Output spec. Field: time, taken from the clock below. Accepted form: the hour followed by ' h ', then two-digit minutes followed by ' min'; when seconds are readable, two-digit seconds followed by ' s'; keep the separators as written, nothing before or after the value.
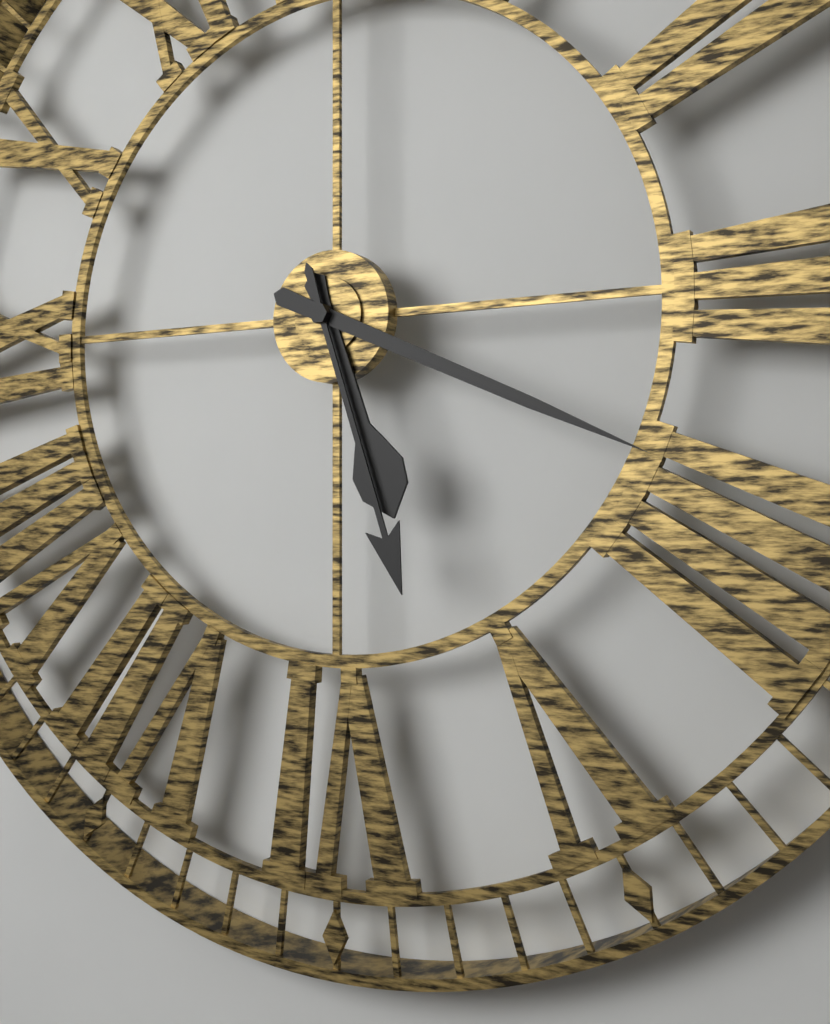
5 h 19 min 27 s
